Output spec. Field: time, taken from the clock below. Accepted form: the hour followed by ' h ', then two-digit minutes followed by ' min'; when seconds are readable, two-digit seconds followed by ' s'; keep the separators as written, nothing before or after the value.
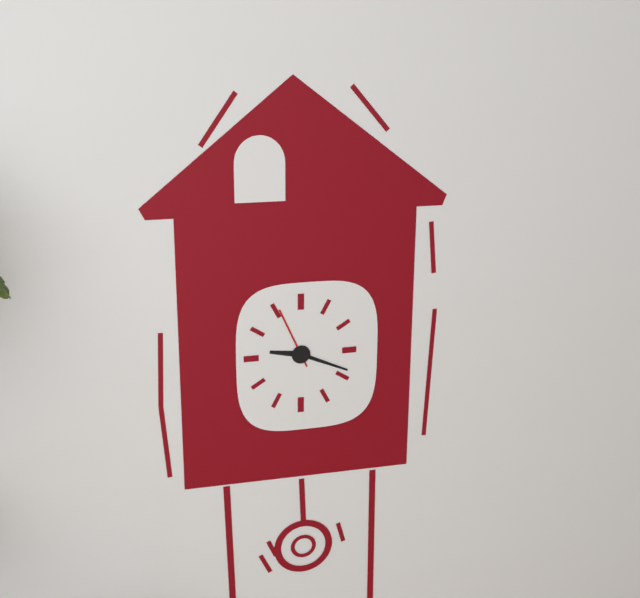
9 h 19 min 56 s
